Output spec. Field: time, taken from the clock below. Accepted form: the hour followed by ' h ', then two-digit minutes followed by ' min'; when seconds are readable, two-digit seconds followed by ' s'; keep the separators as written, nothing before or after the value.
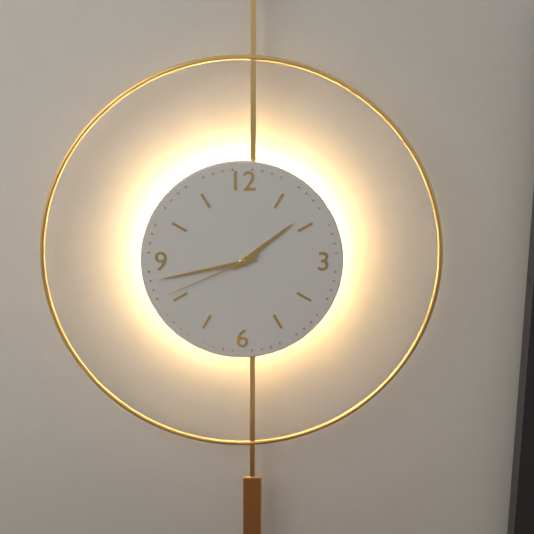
1 h 43 min 41 s
